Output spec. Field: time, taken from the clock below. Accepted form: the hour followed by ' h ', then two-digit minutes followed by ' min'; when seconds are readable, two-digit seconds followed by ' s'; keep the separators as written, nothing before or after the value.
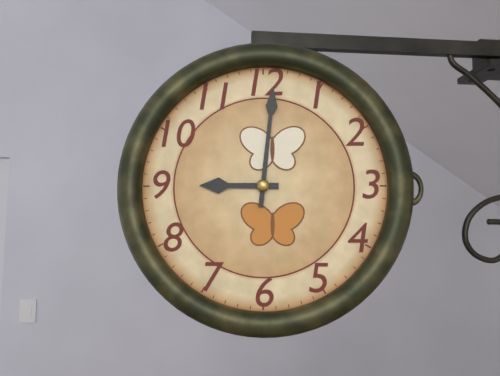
9 h 01 min
